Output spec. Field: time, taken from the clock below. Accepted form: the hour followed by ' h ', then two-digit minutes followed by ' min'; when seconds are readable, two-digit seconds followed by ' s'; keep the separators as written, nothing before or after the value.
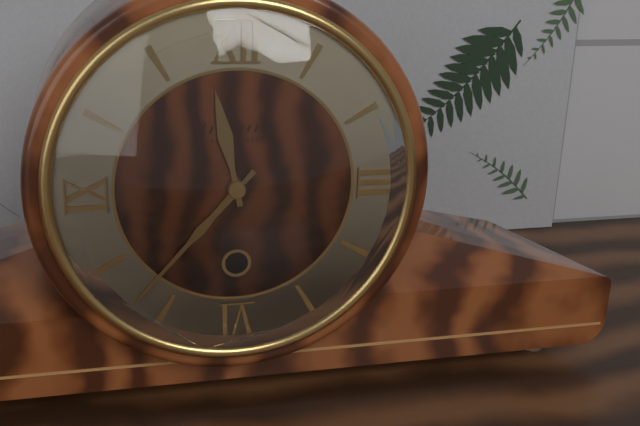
11 h 37 min
